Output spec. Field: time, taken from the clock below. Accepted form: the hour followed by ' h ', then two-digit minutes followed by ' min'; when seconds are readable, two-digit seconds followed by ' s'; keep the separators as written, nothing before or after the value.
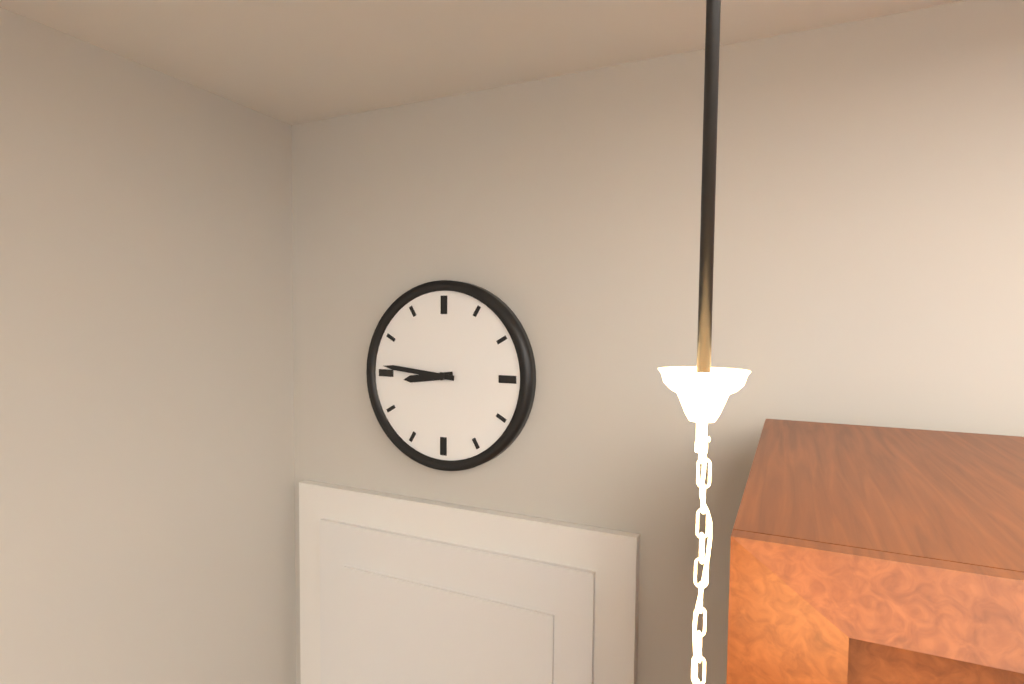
8 h 46 min
